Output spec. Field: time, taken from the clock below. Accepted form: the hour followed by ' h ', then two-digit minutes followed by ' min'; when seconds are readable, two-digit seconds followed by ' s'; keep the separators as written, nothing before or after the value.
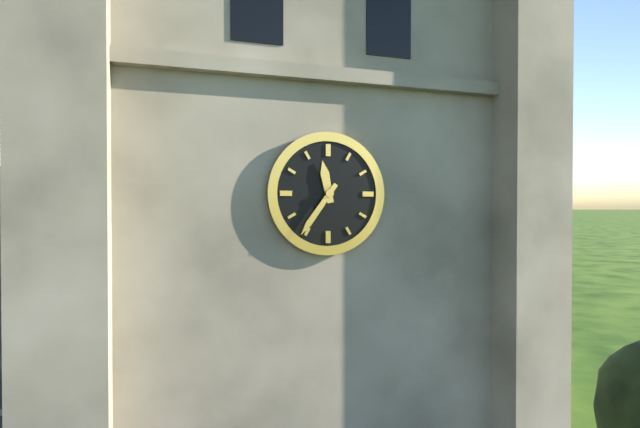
11 h 36 min
